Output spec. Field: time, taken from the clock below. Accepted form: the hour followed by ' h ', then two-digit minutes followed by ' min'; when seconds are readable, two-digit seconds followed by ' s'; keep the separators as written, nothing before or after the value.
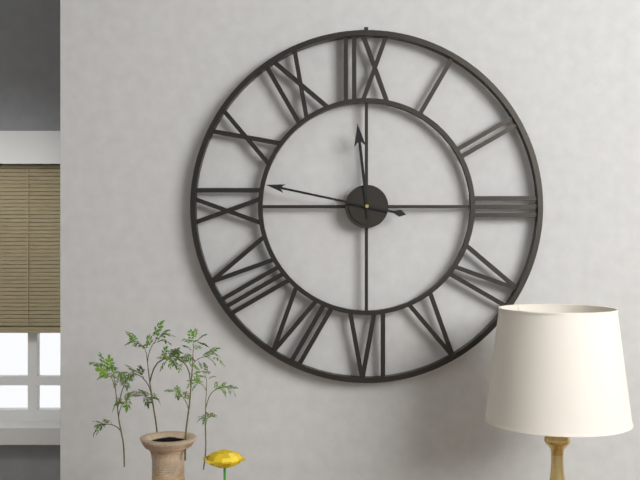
11 h 47 min
